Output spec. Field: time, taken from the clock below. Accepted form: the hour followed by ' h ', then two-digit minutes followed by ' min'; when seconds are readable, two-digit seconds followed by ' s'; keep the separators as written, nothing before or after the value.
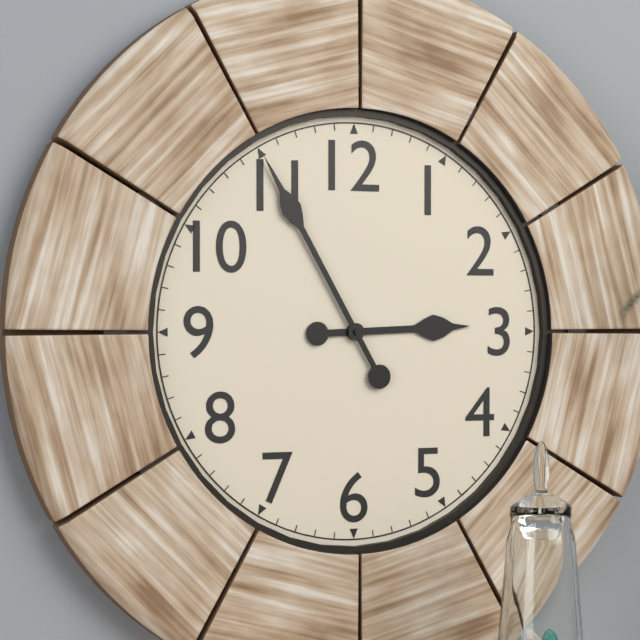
2 h 55 min
